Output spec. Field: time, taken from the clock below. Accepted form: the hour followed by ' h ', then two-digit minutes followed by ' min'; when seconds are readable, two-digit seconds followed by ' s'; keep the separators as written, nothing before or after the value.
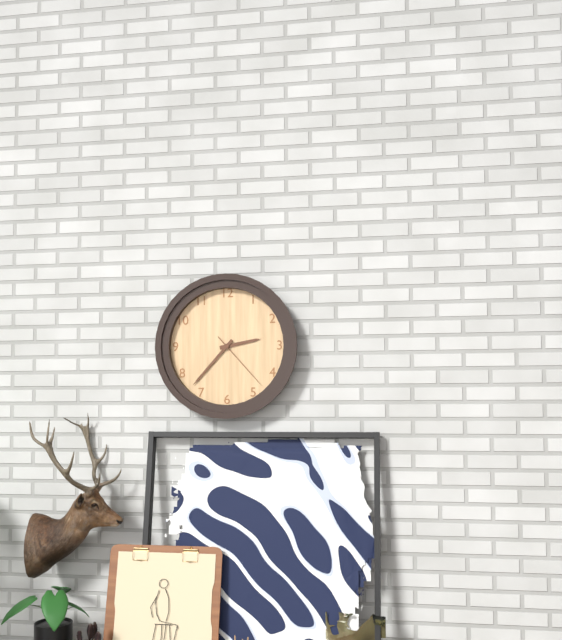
2 h 37 min 23 s
